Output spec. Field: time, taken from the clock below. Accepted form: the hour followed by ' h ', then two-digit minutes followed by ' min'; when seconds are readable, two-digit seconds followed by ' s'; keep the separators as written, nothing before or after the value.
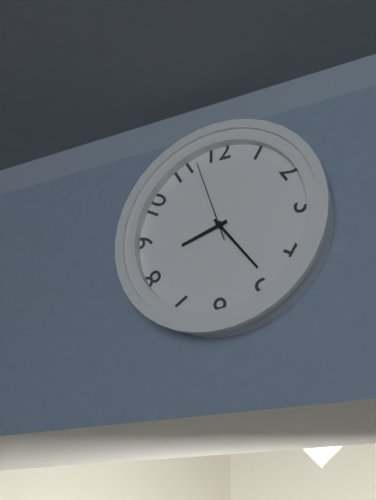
8 h 24 min 57 s
